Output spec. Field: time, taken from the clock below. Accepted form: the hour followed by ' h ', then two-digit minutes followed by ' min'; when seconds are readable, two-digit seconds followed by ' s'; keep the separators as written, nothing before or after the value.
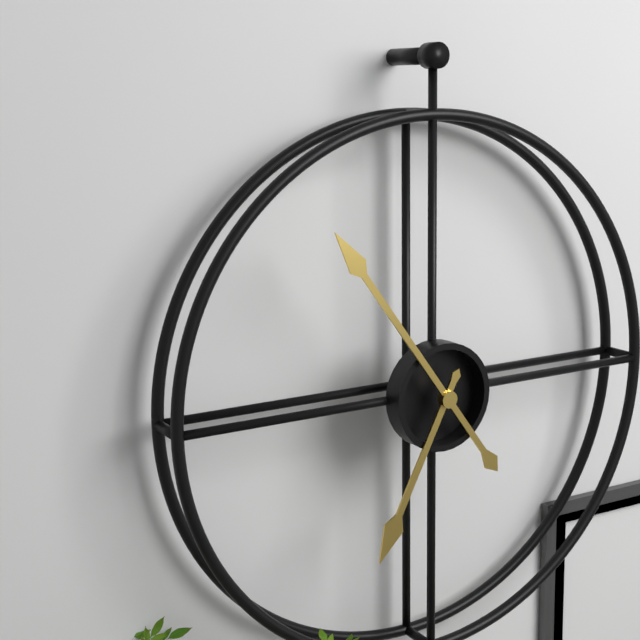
6 h 54 min
